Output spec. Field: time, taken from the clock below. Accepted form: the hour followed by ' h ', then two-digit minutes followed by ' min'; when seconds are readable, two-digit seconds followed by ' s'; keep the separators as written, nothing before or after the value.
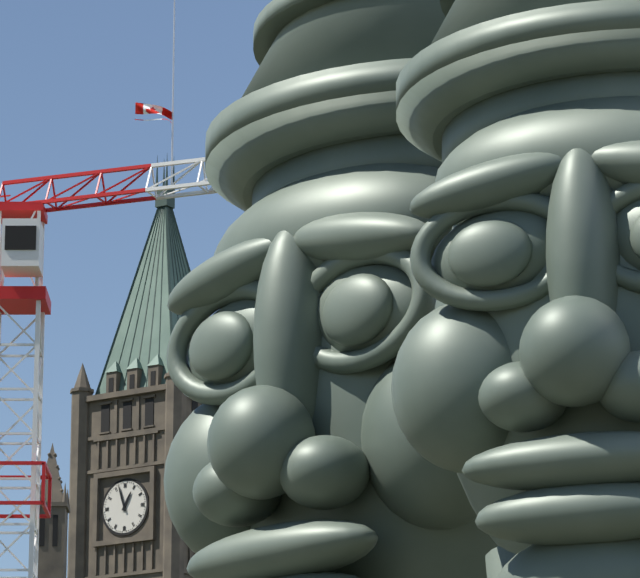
12 h 57 min
